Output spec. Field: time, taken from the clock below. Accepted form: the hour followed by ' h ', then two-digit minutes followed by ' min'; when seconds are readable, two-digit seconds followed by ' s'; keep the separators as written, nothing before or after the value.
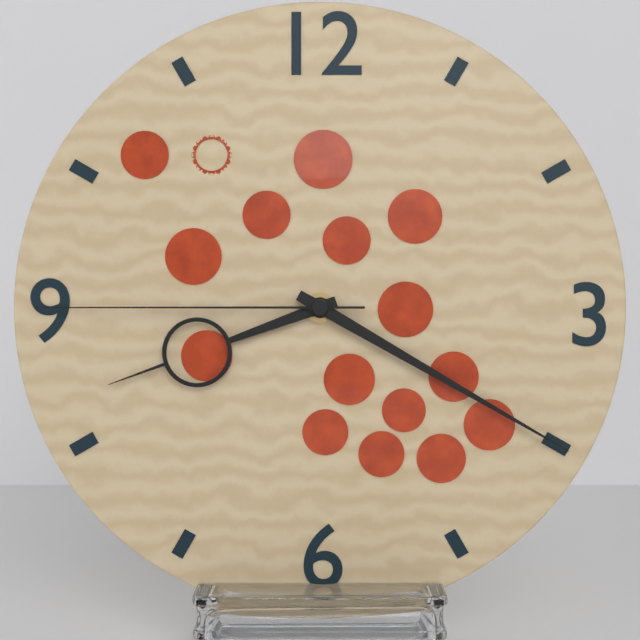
8 h 20 min 45 s
